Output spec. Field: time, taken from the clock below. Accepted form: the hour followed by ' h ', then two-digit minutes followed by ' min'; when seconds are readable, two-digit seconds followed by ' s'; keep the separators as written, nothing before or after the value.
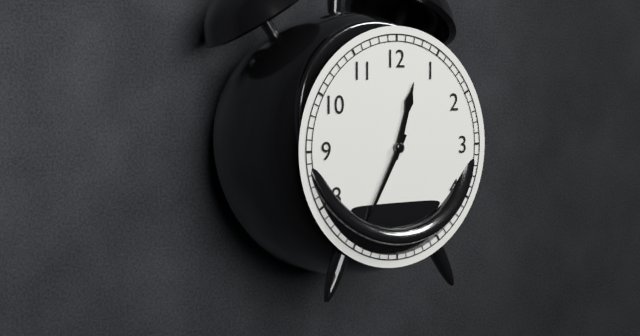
12 h 35 min
